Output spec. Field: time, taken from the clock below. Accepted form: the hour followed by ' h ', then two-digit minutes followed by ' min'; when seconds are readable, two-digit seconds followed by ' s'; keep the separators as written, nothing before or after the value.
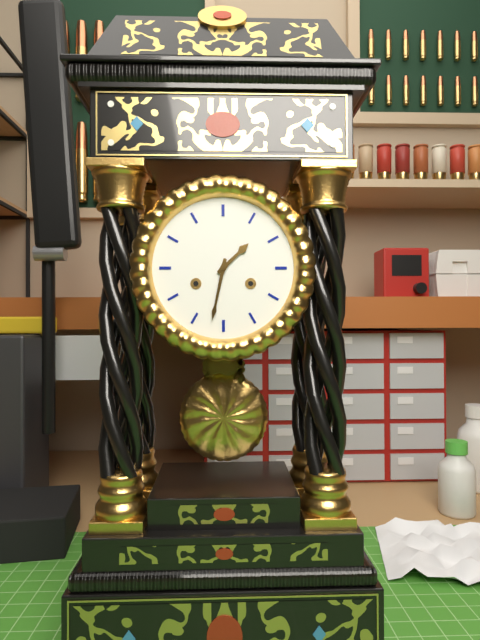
1 h 32 min
